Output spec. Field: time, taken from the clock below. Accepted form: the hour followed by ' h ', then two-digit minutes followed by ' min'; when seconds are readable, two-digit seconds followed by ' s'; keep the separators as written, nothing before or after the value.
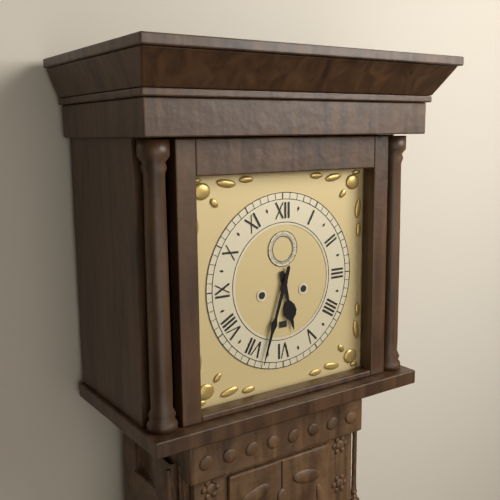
5 h 33 min
